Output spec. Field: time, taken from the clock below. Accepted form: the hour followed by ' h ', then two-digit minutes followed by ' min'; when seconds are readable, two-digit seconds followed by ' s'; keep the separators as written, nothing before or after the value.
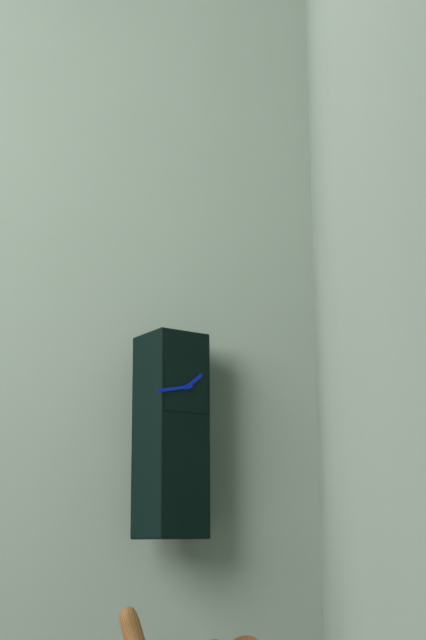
1 h 43 min
